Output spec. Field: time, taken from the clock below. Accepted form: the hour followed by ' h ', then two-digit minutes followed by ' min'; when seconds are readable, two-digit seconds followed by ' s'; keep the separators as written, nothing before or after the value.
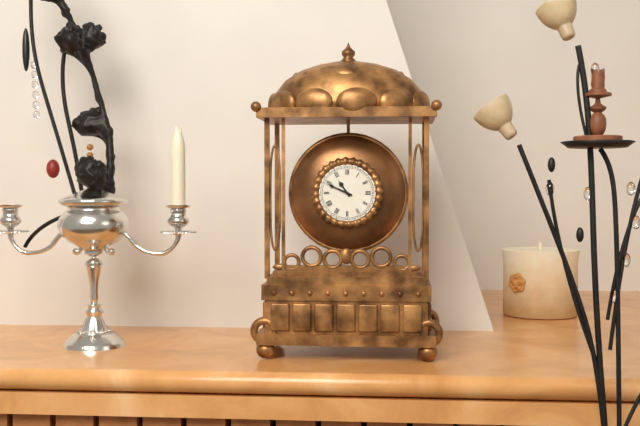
10 h 49 min
